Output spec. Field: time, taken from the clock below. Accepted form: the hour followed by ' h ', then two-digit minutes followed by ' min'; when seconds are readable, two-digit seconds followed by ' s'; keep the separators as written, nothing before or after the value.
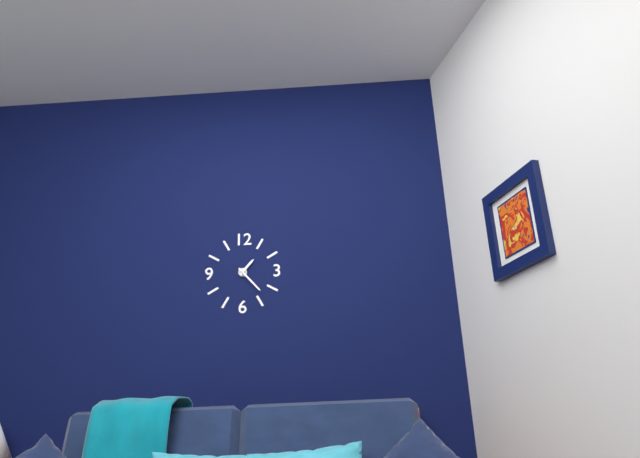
1 h 23 min
